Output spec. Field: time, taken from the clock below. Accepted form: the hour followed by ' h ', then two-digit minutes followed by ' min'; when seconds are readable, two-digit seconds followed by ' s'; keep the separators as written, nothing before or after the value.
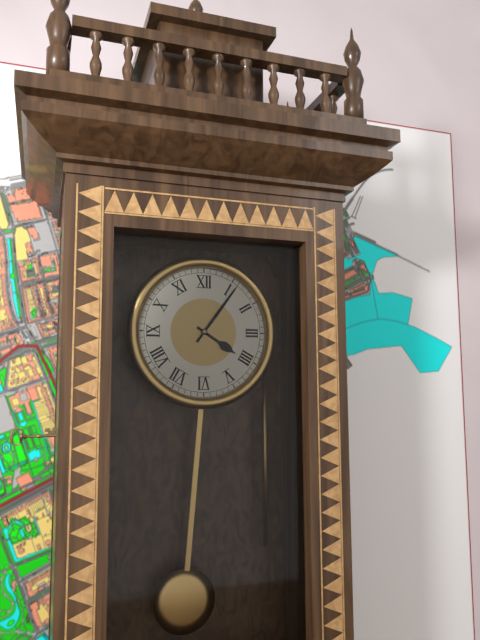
4 h 06 min
